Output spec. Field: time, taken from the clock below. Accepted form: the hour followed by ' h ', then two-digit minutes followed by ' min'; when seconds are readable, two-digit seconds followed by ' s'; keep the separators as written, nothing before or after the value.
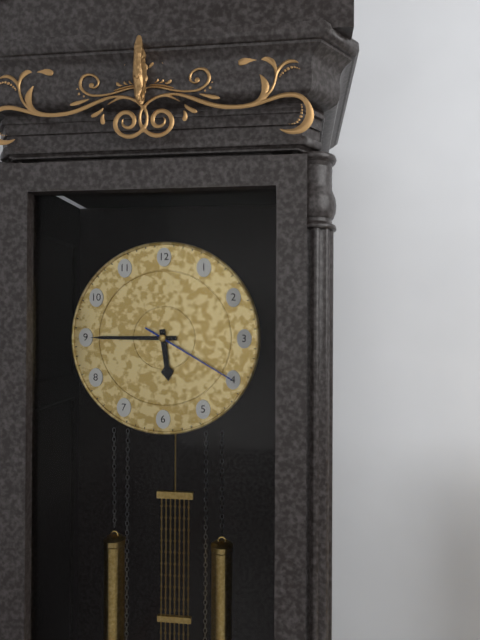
5 h 45 min 20 s
